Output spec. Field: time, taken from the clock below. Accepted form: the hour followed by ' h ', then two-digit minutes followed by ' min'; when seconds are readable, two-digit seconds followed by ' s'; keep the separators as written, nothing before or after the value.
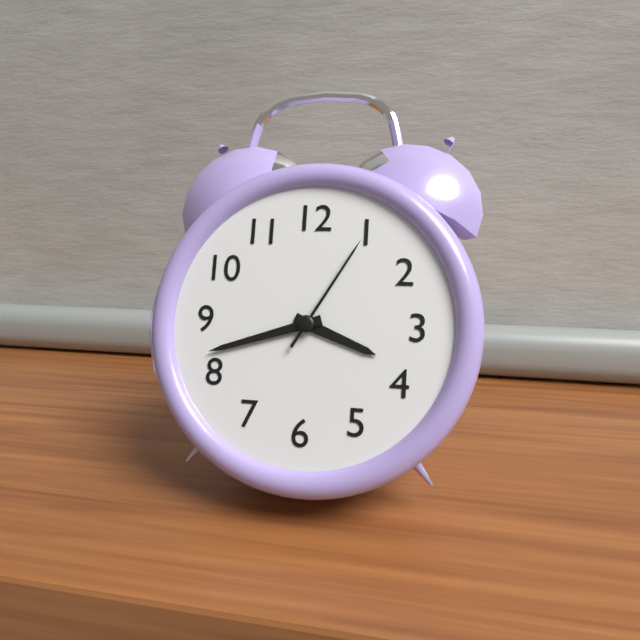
3 h 42 min 05 s
